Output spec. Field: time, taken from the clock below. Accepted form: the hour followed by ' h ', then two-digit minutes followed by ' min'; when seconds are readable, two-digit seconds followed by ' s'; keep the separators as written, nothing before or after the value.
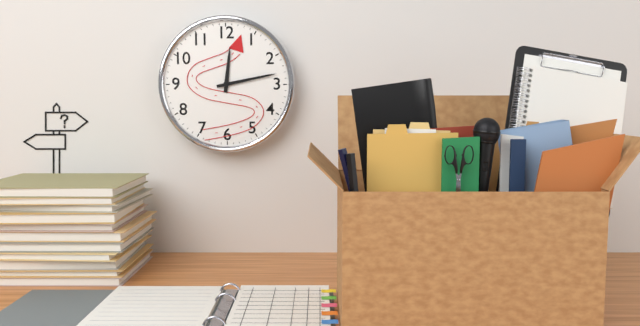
12 h 13 min
